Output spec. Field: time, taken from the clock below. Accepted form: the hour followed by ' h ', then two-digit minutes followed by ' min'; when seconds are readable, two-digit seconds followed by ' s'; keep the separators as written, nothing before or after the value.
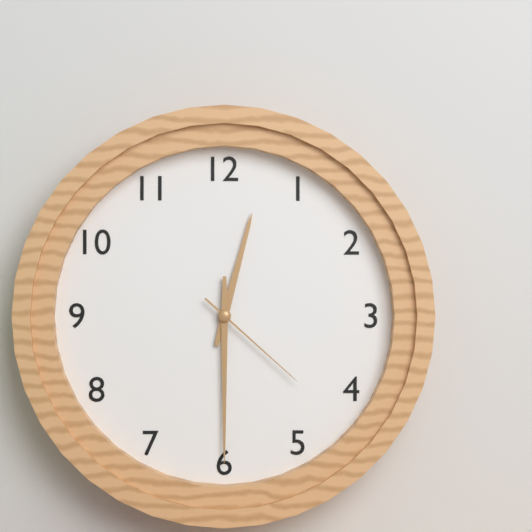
12 h 30 min 22 s
